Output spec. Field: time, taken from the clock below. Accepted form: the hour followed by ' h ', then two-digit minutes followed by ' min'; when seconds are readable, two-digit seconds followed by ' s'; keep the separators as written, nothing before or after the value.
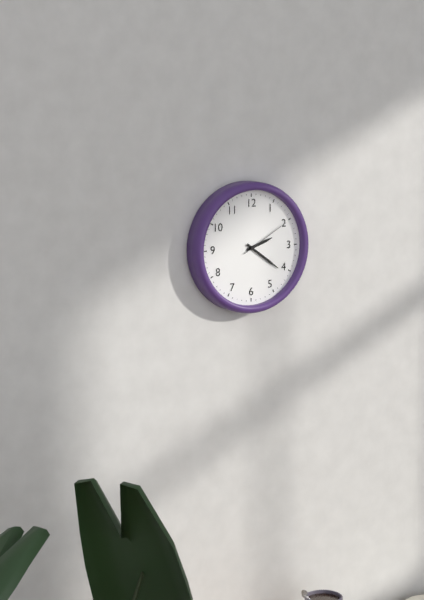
2 h 21 min 10 s
